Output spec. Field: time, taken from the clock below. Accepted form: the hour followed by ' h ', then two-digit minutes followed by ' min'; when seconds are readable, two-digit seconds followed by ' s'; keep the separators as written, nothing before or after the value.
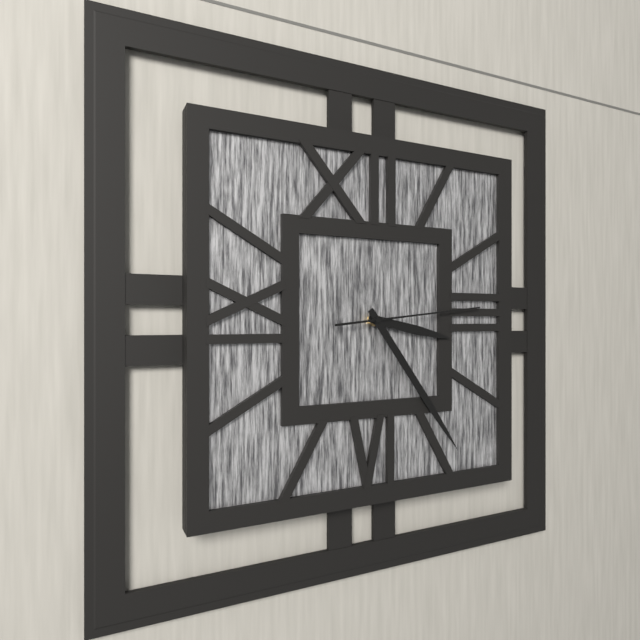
3 h 24 min 14 s
